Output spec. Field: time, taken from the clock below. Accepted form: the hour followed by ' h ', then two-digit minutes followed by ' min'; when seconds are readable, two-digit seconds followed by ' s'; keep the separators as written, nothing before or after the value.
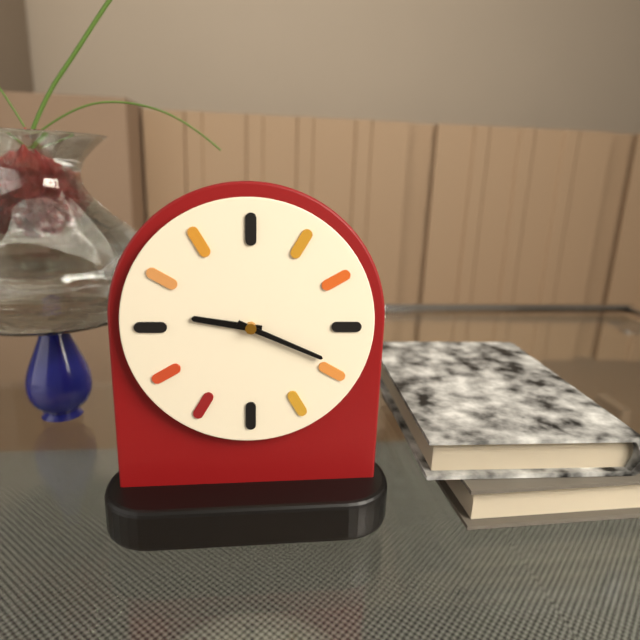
9 h 19 min
